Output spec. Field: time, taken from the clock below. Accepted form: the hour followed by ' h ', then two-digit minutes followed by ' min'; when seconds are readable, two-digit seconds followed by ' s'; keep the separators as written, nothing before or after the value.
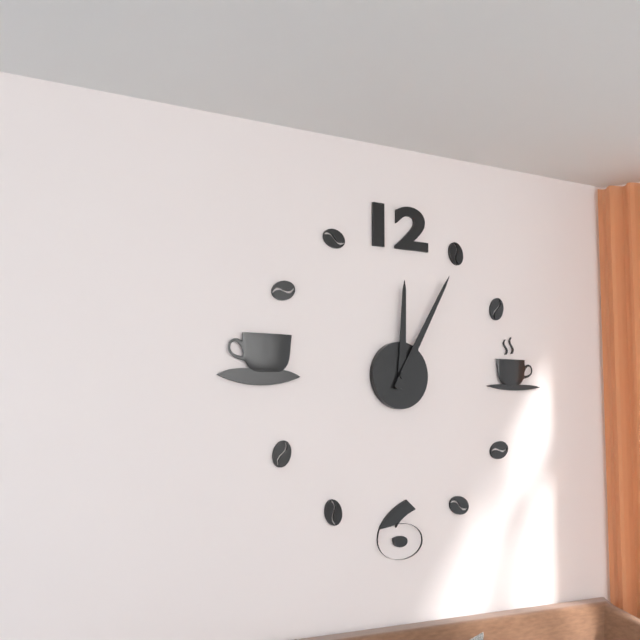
12 h 05 min
